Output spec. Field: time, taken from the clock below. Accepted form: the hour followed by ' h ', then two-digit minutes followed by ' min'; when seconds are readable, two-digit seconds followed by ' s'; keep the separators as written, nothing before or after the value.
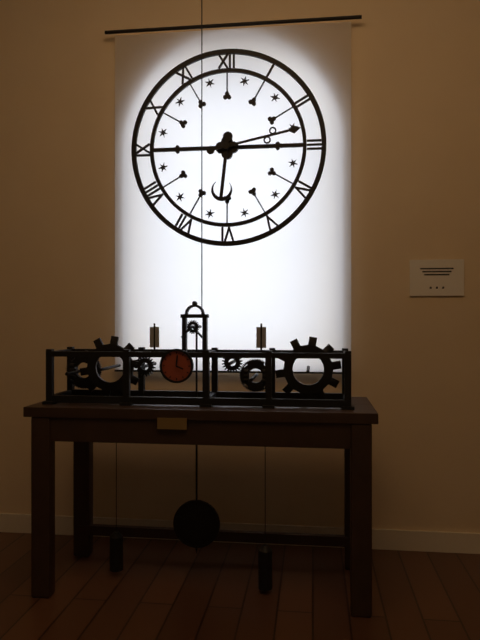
6 h 13 min
